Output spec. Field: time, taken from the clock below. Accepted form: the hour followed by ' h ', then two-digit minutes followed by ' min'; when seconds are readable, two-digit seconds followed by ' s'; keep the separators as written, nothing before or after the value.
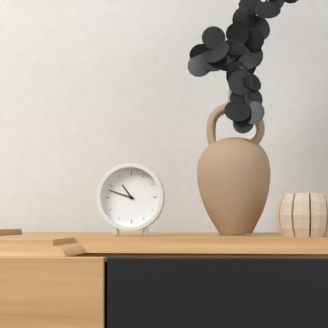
10 h 48 min
